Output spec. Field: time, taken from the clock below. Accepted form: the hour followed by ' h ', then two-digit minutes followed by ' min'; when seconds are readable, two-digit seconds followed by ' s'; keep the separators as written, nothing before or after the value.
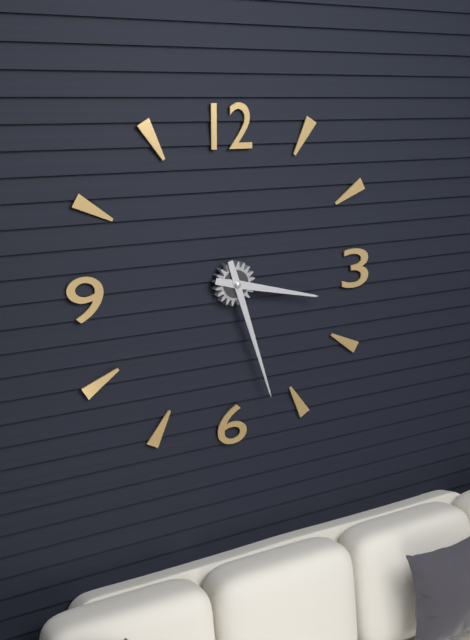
3 h 27 min
